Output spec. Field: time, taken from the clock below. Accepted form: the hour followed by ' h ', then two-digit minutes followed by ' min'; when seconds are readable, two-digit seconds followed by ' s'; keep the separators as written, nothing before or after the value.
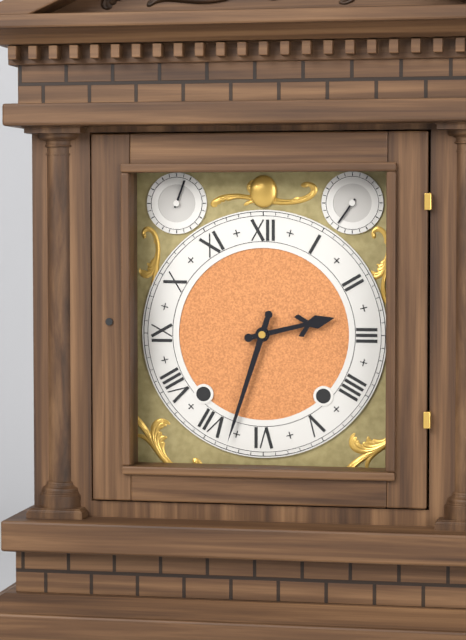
2 h 33 min
